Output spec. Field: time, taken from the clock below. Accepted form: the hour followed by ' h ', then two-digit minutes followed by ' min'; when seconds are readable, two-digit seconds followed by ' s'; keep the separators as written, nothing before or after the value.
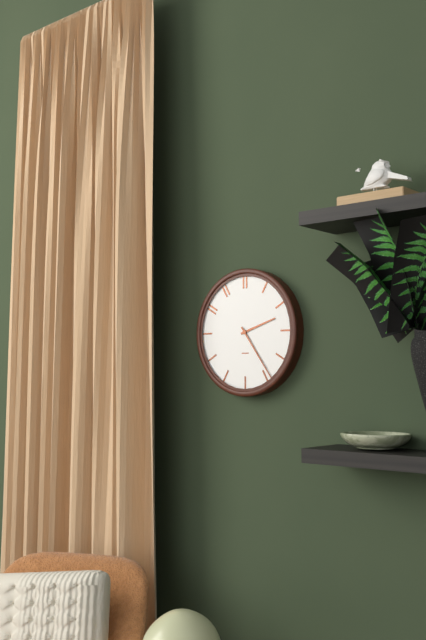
2 h 24 min
